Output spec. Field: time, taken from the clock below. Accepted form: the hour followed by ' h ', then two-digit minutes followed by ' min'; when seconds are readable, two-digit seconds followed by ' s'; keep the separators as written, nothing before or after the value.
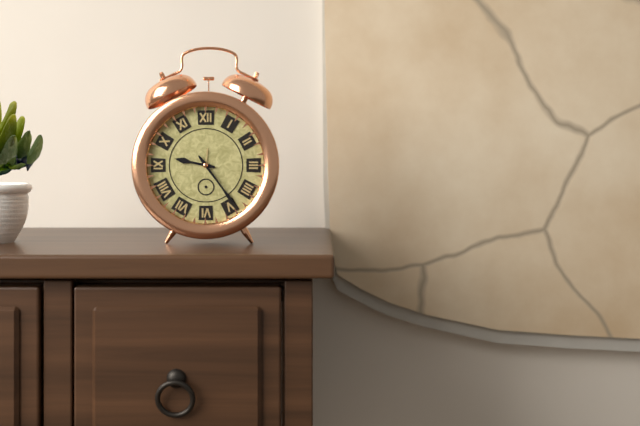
9 h 24 min
